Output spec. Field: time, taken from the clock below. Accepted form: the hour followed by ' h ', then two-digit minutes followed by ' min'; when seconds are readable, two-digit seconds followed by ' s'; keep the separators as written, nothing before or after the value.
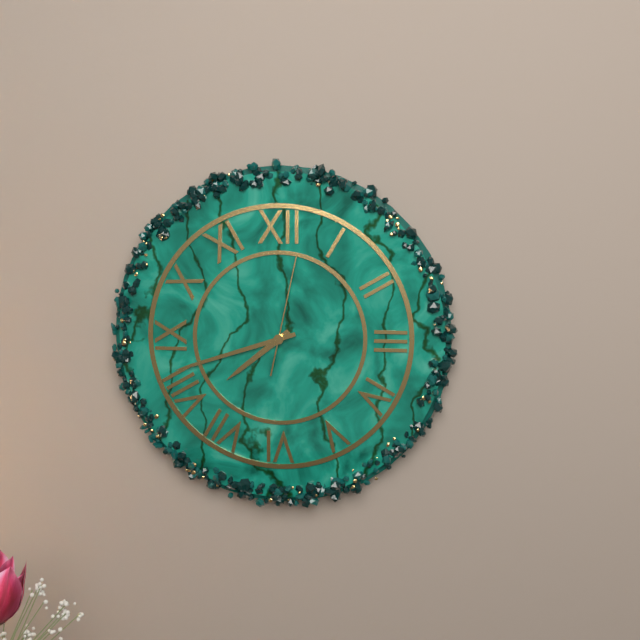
7 h 42 min 02 s
